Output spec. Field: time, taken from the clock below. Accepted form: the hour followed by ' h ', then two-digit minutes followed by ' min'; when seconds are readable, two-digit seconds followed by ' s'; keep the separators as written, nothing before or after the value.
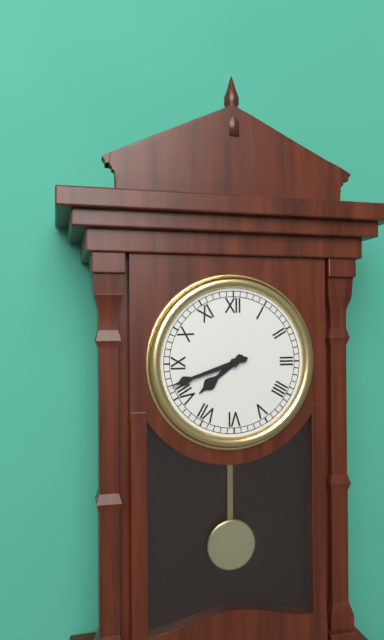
7 h 42 min
